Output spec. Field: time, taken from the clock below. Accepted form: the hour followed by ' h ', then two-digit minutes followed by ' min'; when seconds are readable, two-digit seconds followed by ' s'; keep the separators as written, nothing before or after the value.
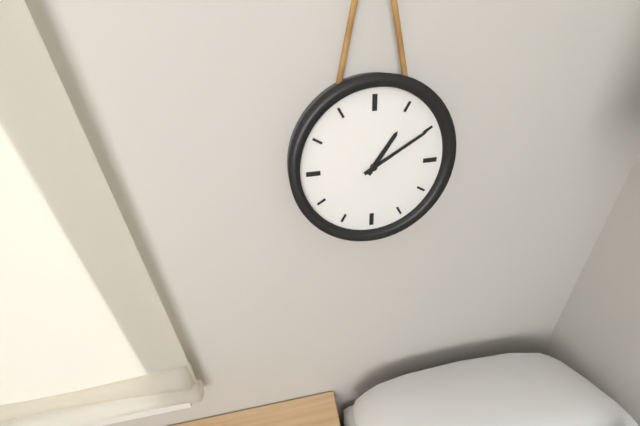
1 h 10 min
